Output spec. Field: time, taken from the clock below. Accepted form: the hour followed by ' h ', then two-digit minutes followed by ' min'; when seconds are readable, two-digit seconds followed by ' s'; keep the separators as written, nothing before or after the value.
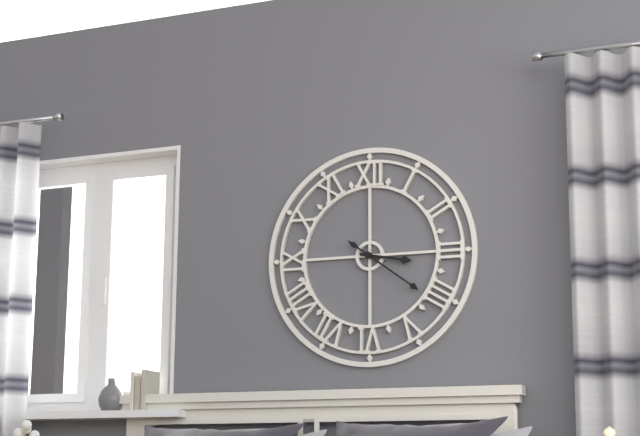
3 h 21 min
